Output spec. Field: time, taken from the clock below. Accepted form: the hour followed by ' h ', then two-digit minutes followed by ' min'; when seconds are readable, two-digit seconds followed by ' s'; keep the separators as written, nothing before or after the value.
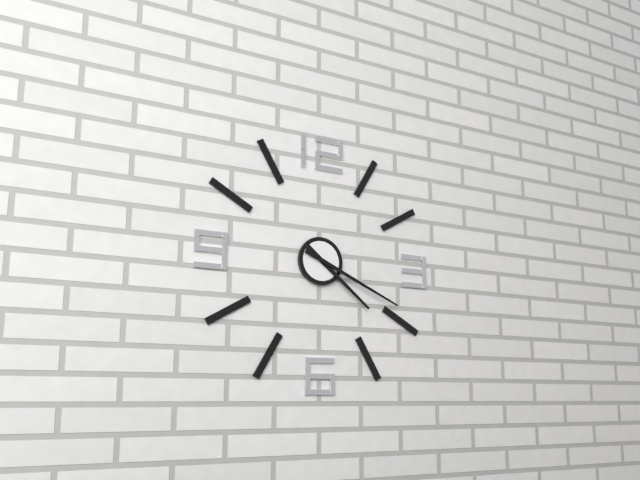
4 h 19 min
